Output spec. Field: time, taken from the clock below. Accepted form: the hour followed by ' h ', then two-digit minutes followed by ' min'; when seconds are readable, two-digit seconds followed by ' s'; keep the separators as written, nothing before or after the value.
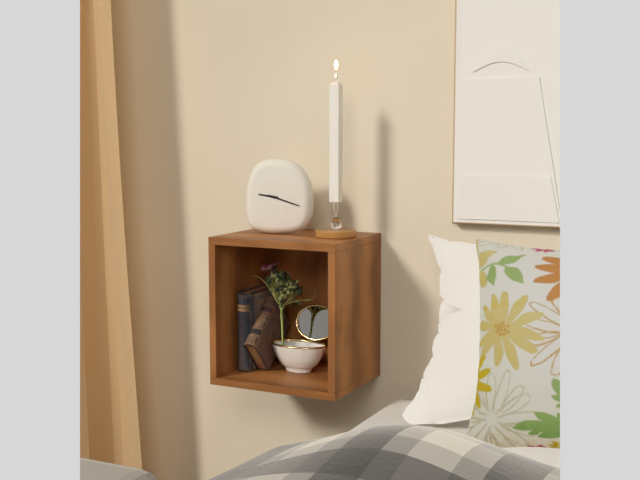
9 h 18 min
